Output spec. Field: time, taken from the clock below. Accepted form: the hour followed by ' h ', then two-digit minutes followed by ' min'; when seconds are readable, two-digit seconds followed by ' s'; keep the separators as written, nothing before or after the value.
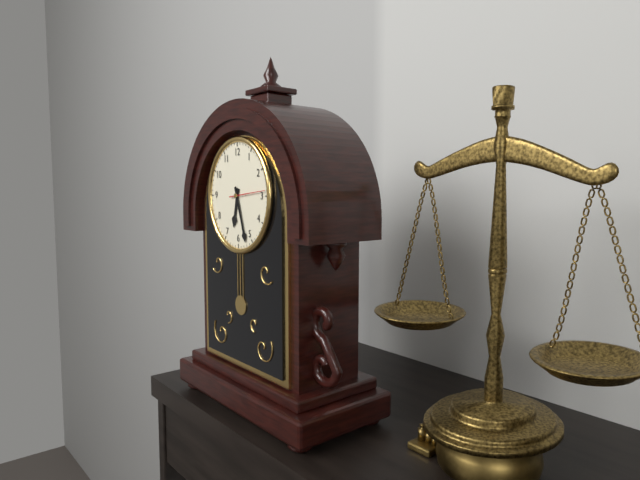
6 h 27 min
